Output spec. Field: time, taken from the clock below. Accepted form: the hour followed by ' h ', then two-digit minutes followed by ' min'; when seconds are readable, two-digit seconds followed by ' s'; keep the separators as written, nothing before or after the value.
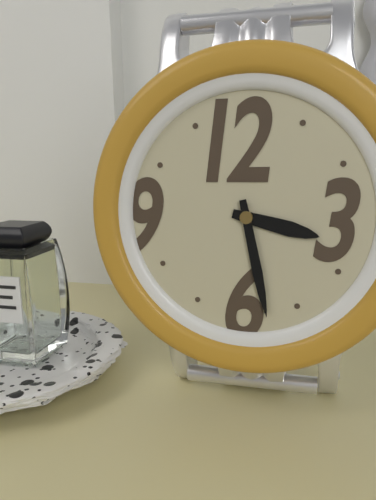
3 h 28 min
